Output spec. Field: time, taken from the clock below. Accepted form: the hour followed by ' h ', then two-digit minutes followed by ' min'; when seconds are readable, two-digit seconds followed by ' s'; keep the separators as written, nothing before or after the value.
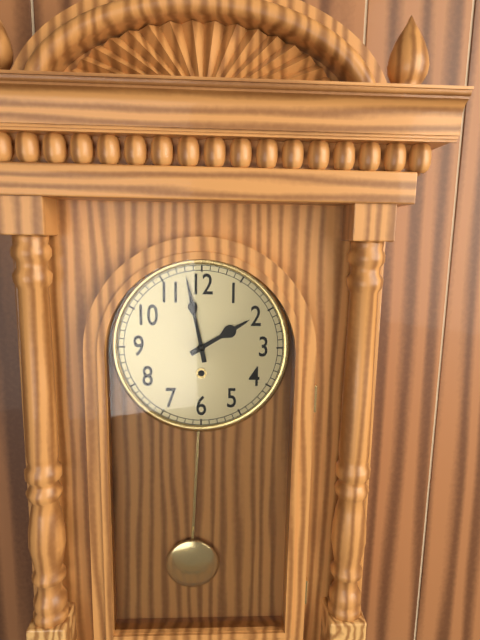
1 h 58 min
